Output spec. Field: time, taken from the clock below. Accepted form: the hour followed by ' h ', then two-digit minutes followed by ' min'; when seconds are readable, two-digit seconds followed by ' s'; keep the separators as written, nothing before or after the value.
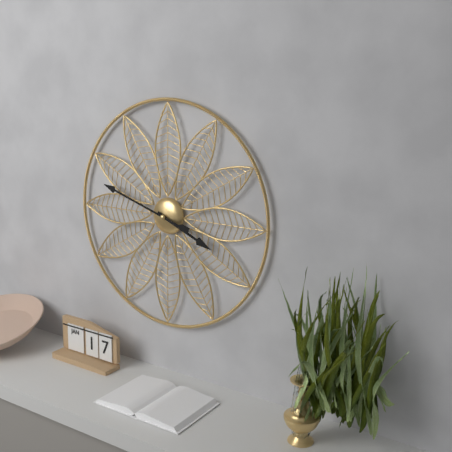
3 h 48 min
